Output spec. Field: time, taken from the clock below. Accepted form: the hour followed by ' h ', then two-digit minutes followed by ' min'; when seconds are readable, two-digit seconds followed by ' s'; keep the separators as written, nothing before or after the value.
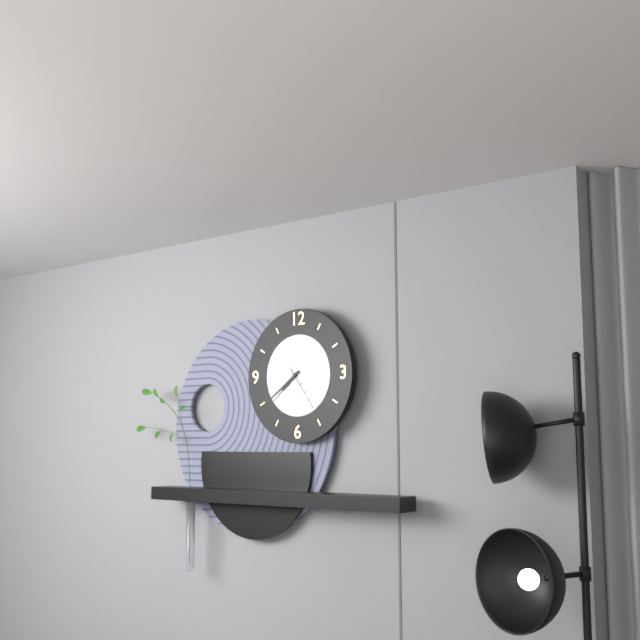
7 h 39 min
